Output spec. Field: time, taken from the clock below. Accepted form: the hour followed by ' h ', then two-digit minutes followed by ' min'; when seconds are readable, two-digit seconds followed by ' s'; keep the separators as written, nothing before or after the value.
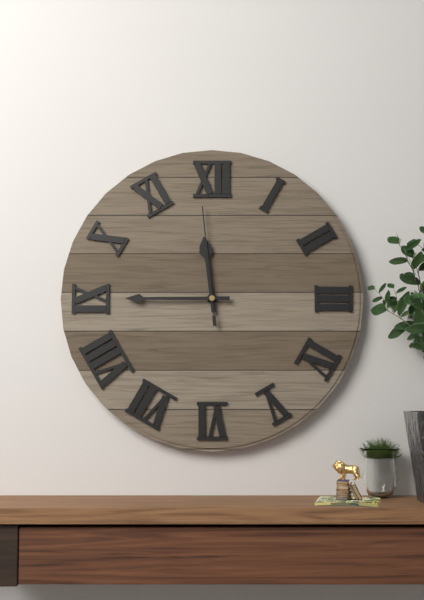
11 h 45 min 59 s
